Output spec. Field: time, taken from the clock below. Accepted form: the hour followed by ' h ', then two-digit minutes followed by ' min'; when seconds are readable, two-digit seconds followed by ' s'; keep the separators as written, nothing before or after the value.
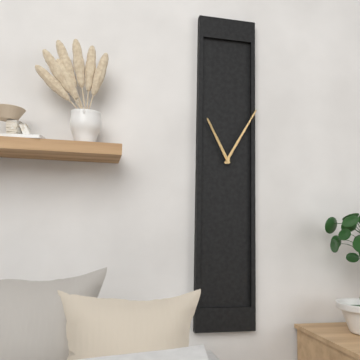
11 h 05 min
